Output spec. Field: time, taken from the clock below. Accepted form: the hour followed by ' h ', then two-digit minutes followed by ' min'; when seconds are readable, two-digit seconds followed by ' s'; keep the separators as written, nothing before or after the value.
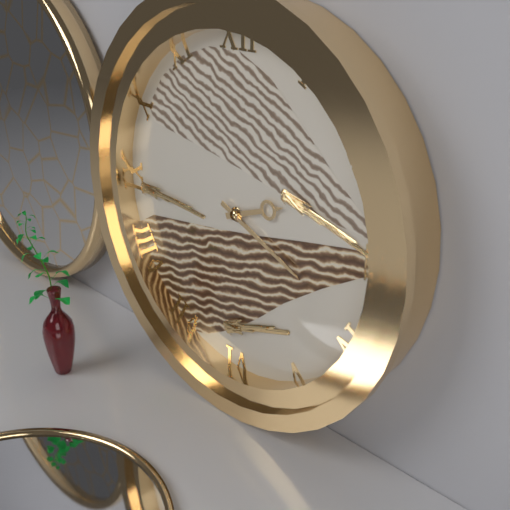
2 h 19 min
